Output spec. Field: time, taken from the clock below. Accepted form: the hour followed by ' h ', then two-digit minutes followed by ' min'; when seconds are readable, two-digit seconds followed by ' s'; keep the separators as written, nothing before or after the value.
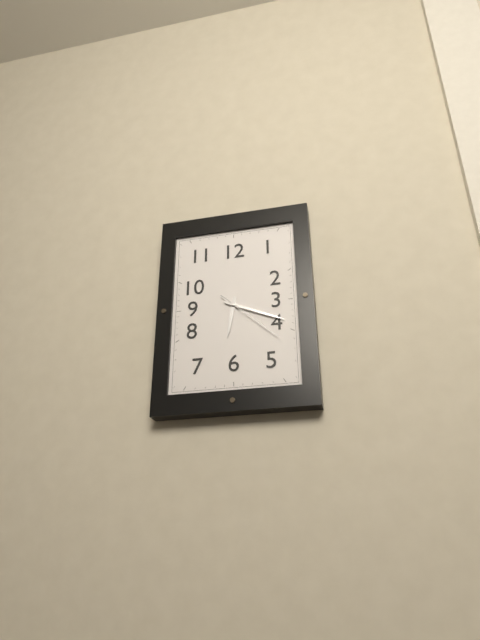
6 h 19 min 22 s
